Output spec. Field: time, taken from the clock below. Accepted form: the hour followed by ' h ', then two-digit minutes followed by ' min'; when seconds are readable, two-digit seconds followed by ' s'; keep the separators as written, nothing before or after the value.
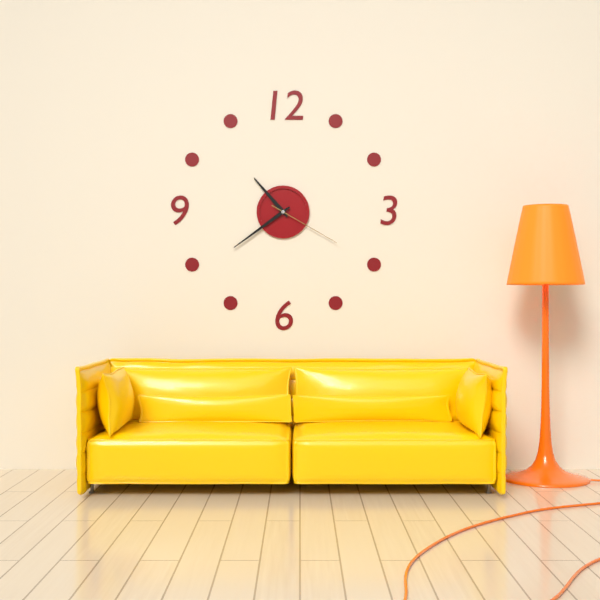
10 h 39 min 20 s
